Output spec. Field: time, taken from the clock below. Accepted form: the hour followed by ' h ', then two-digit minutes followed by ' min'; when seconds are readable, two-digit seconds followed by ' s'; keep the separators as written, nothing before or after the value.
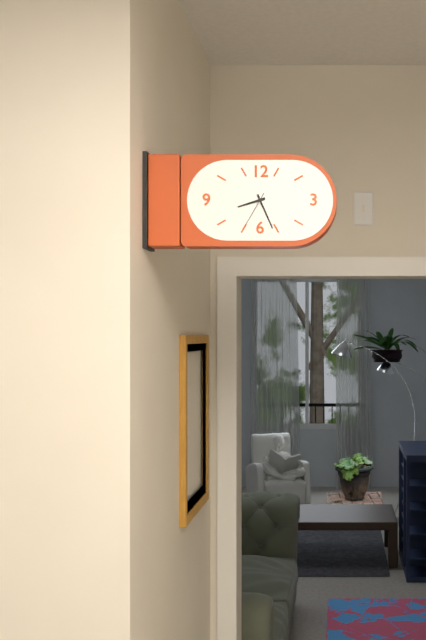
8 h 26 min
